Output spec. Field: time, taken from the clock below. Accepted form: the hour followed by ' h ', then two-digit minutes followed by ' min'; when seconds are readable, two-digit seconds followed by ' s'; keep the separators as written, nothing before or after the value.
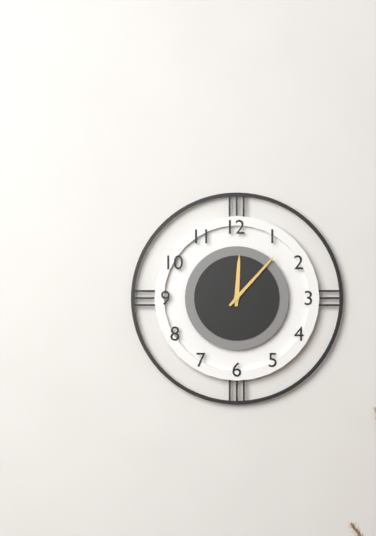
12 h 07 min
